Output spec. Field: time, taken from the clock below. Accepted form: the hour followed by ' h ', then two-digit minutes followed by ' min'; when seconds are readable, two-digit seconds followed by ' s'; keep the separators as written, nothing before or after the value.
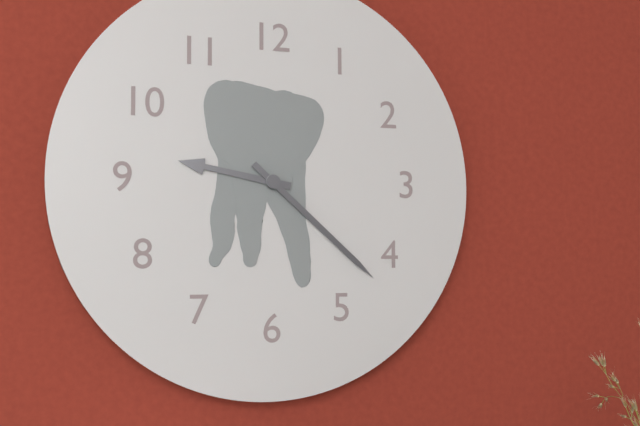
9 h 22 min
